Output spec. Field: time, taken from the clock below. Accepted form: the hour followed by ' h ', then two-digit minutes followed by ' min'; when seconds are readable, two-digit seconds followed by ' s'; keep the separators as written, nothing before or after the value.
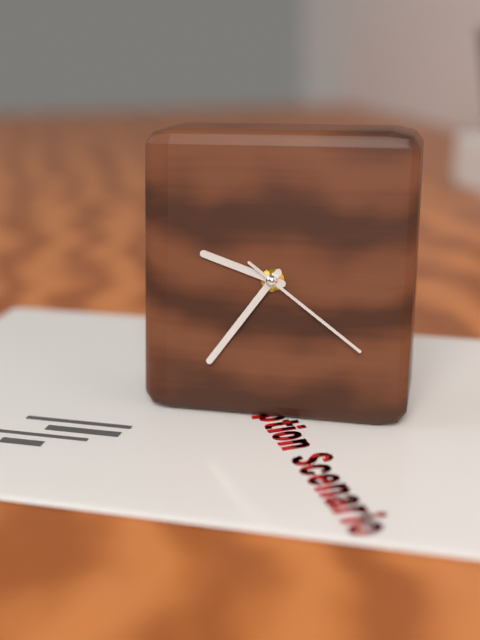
9 h 36 min 21 s
